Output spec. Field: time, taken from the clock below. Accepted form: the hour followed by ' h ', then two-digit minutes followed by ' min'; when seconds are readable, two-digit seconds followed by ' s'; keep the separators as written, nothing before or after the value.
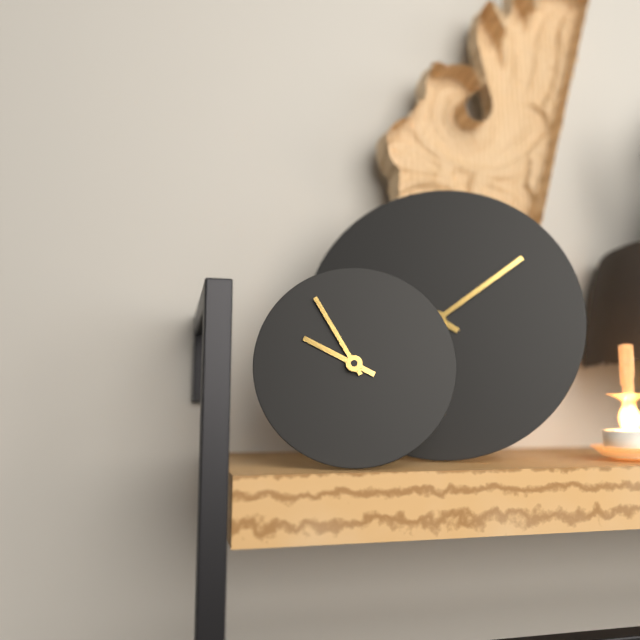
9 h 55 min
